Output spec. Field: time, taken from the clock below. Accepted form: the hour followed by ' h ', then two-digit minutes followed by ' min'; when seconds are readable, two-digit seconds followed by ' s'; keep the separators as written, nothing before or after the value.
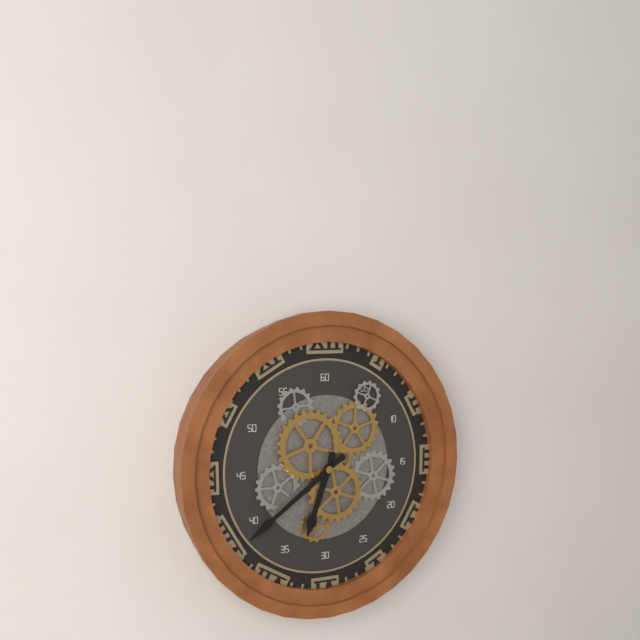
6 h 39 min
